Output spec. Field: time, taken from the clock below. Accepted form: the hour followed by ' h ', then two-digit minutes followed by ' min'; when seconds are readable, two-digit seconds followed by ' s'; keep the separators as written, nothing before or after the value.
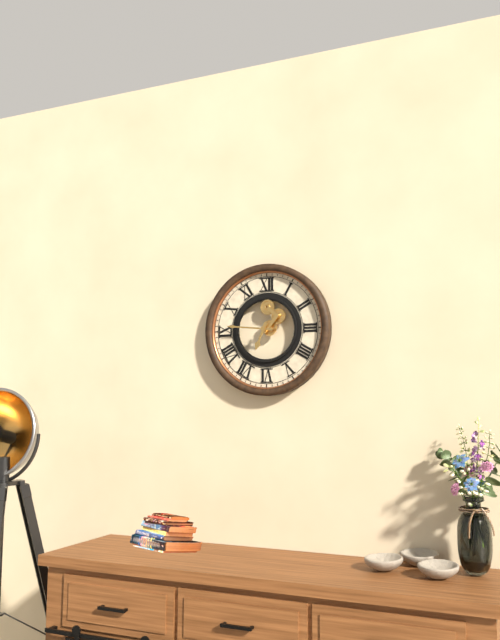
6 h 46 min
